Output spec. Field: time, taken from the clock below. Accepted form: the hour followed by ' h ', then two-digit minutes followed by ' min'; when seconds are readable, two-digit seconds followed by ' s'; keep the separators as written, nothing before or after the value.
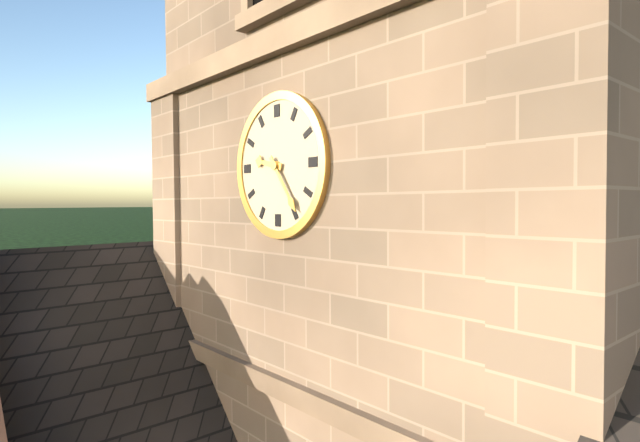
9 h 24 min
